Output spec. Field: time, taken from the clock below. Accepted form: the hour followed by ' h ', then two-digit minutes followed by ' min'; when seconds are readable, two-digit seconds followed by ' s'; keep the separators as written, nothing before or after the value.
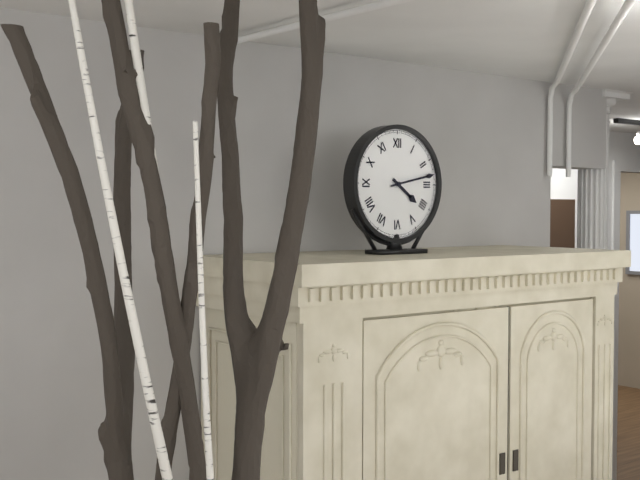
4 h 13 min
